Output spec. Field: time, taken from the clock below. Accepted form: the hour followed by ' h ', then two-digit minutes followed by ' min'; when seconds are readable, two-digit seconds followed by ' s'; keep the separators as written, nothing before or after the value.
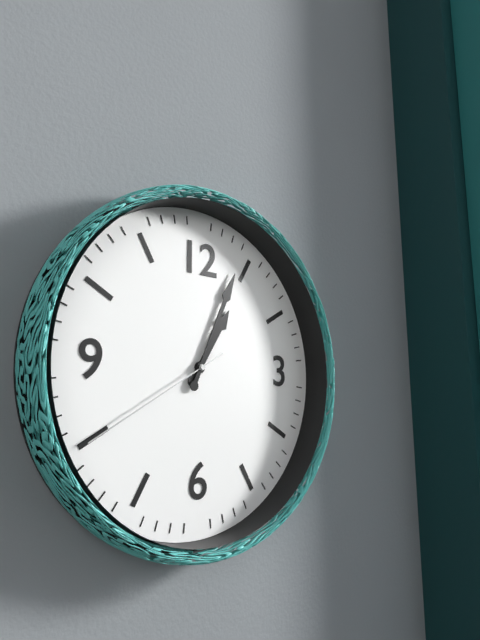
1 h 04 min 40 s
